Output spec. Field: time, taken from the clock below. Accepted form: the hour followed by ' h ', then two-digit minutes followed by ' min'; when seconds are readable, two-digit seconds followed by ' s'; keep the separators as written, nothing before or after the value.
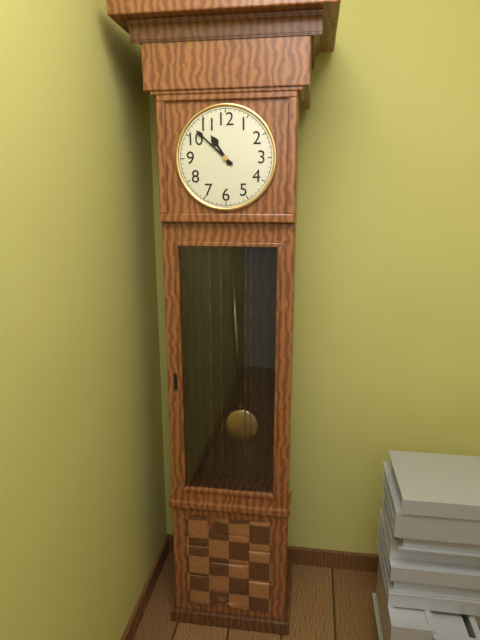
10 h 52 min
